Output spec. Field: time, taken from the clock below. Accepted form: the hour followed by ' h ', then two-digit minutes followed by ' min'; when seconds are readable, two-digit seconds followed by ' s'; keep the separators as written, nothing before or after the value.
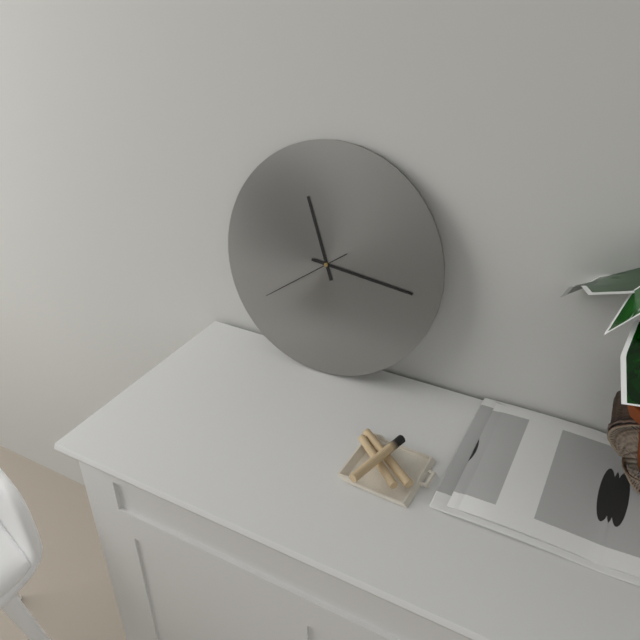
11 h 16 min 39 s
